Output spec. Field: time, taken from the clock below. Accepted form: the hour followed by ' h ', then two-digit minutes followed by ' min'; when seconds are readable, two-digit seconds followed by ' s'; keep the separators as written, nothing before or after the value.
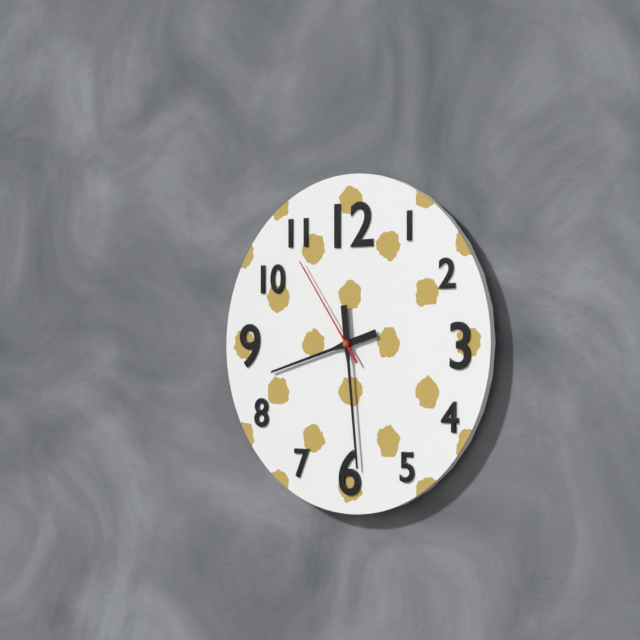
8 h 29 min 54 s
